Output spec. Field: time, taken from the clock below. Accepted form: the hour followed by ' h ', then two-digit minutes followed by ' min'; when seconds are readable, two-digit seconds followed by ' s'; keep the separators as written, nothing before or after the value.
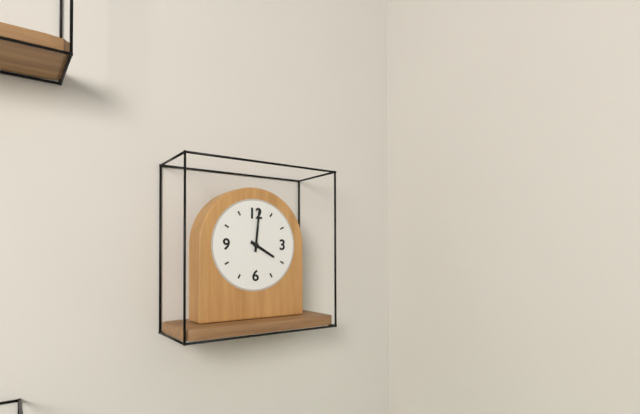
4 h 01 min
